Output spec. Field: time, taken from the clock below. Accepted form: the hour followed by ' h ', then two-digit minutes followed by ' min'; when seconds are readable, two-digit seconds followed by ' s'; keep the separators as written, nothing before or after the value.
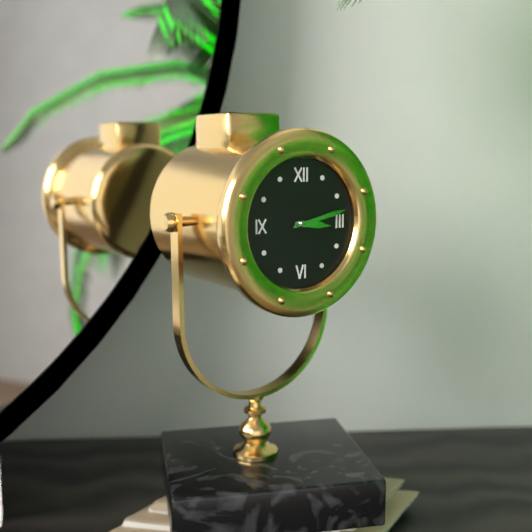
3 h 13 min
